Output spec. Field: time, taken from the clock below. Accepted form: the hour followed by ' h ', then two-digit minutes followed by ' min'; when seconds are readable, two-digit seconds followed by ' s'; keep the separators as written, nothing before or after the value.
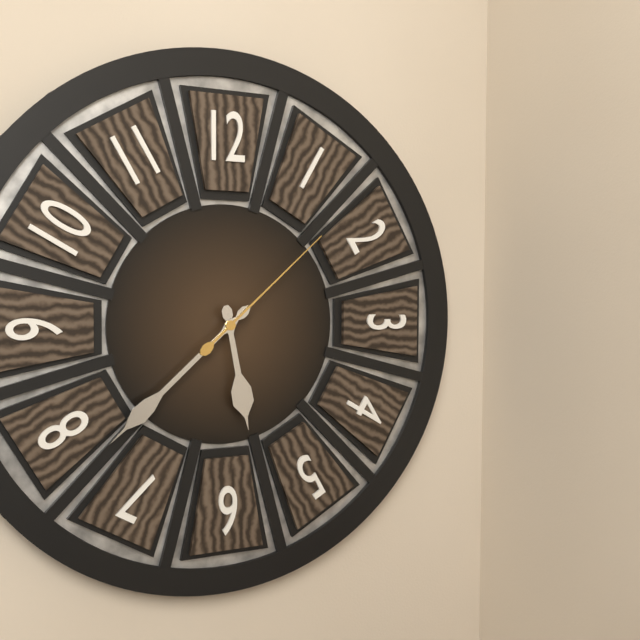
5 h 38 min 08 s
